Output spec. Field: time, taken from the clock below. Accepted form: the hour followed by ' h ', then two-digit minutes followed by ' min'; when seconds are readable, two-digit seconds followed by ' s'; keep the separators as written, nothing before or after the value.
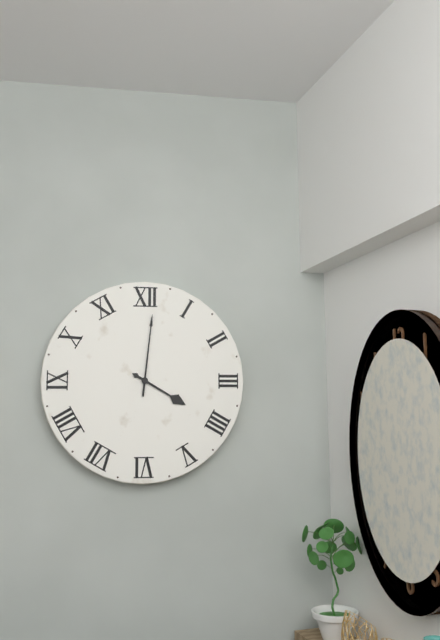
4 h 01 min
